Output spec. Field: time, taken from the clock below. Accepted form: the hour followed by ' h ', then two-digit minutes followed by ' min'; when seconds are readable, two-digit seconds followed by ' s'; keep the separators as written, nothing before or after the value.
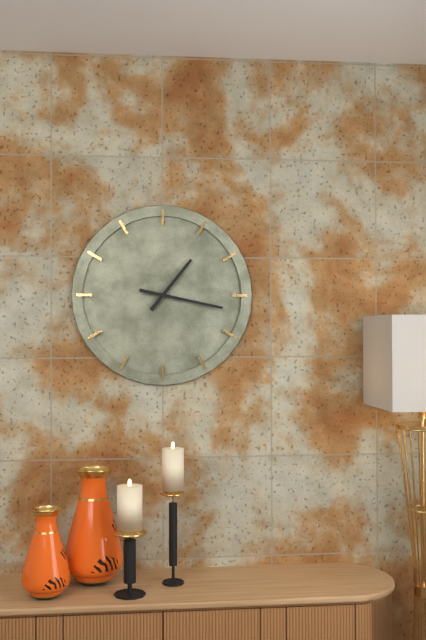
1 h 17 min
